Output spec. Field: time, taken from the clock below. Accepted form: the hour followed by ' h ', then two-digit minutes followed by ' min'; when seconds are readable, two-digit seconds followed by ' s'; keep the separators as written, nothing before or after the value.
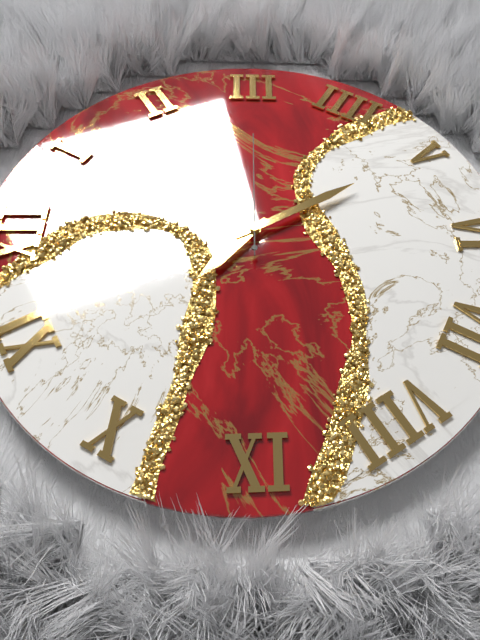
10 h 25 min 15 s
